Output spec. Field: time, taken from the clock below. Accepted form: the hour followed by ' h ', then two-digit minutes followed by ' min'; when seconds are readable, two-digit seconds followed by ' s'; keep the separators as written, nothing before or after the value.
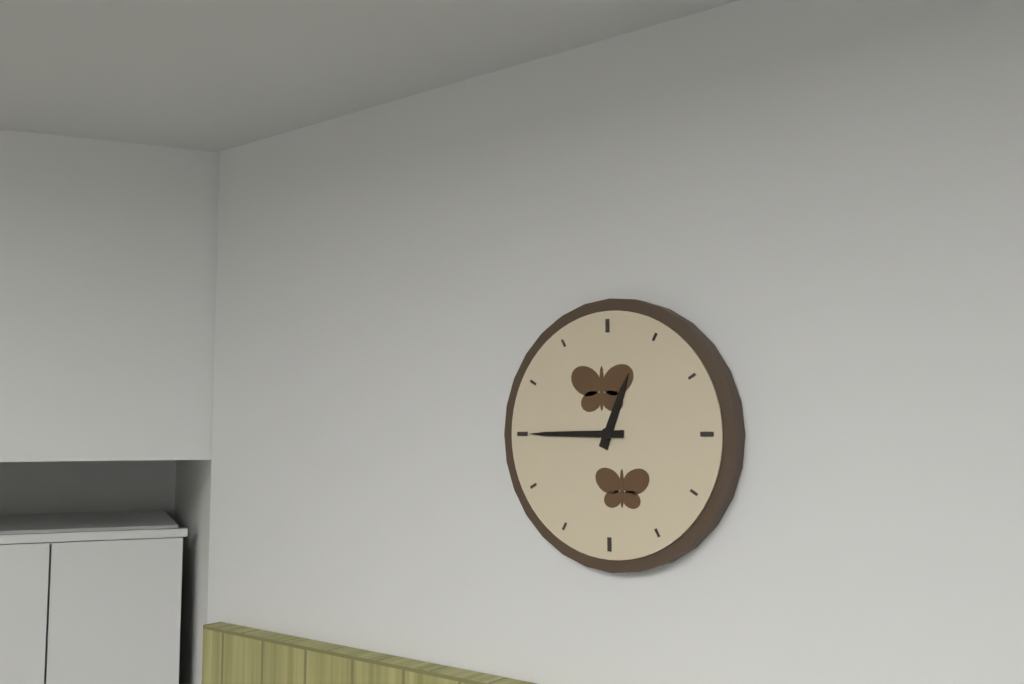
12 h 45 min
